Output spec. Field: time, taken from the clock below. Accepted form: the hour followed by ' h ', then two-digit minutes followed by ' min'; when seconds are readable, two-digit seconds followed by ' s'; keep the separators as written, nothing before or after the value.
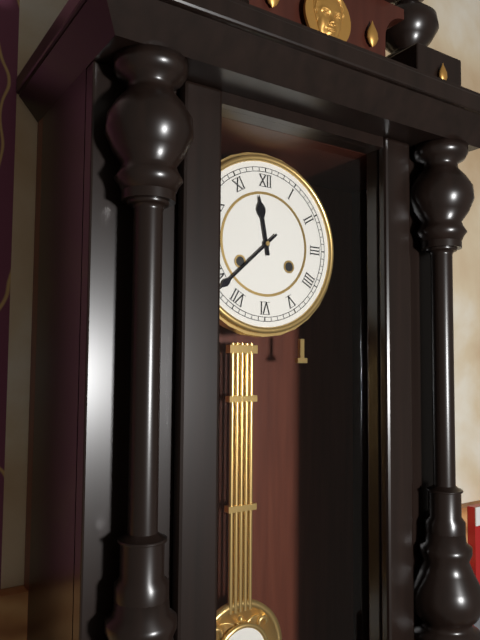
11 h 38 min
